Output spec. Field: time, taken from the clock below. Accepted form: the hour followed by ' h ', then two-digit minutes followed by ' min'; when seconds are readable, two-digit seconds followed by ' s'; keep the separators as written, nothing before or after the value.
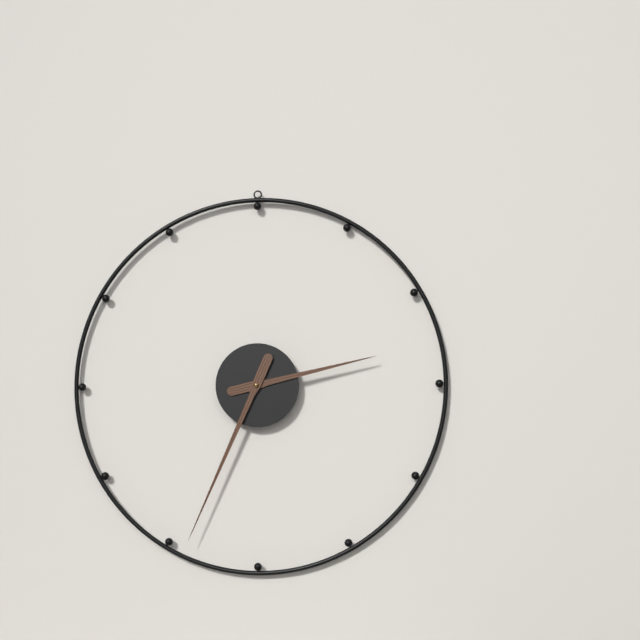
2 h 34 min
